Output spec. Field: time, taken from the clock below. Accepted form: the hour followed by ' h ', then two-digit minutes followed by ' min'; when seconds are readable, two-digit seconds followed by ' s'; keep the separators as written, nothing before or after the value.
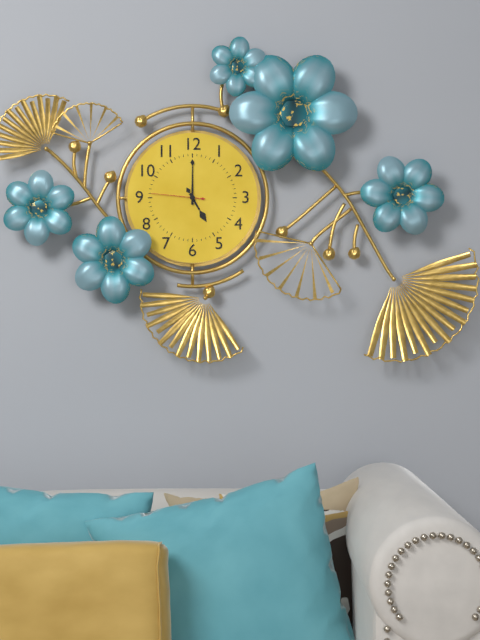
5 h 00 min 46 s
